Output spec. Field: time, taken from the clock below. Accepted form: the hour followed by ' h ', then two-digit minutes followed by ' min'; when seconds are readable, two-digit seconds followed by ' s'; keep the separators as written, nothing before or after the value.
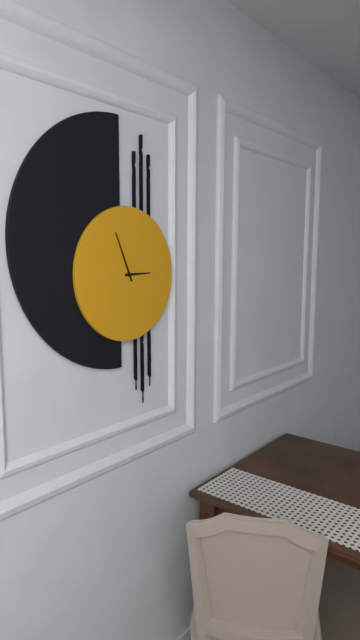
2 h 56 min
